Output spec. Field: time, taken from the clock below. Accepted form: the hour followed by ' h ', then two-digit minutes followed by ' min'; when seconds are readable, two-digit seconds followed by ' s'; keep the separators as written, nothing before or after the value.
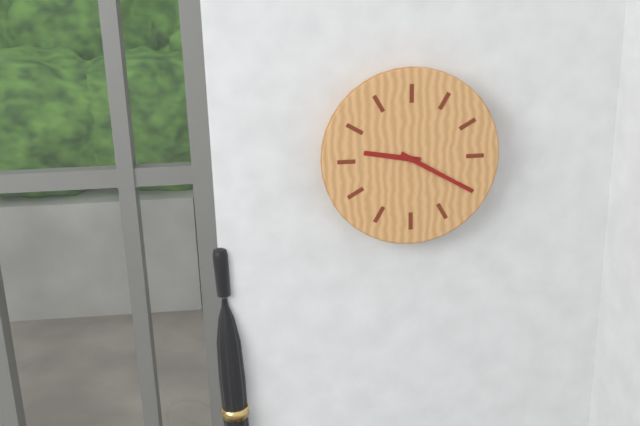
9 h 20 min
